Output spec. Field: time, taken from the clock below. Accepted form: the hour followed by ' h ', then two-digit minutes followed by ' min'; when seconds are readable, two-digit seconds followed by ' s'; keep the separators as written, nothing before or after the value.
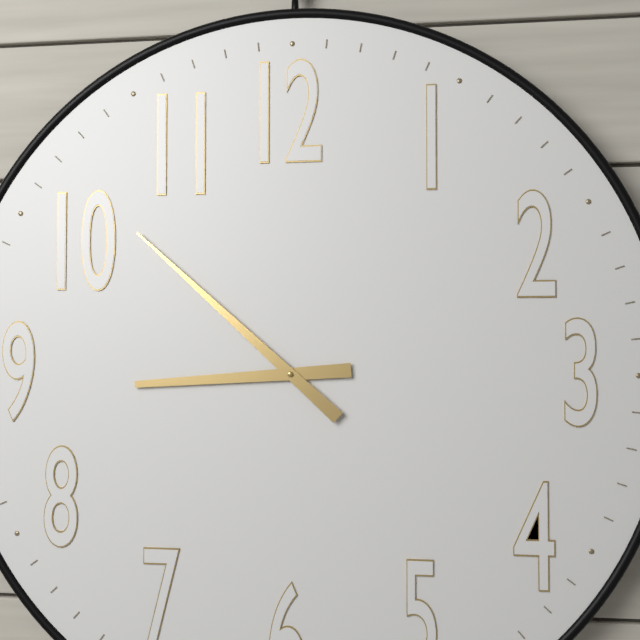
8 h 52 min
